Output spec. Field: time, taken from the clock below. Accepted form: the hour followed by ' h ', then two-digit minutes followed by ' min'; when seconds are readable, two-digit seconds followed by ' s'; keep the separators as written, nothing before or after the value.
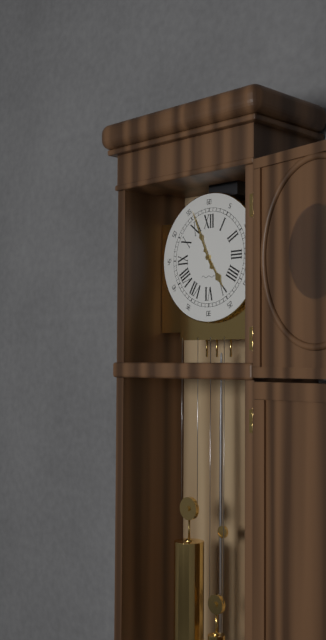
4 h 56 min
